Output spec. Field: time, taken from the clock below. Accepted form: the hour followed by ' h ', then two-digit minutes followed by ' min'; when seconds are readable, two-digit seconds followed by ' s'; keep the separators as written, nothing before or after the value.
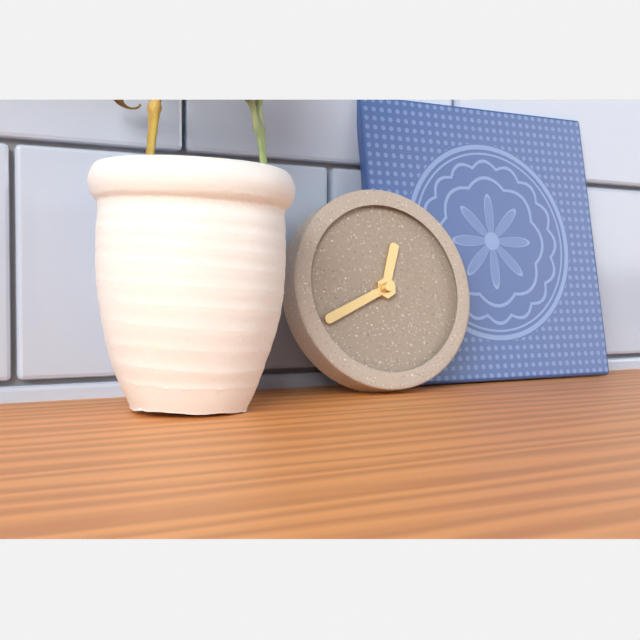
12 h 41 min
